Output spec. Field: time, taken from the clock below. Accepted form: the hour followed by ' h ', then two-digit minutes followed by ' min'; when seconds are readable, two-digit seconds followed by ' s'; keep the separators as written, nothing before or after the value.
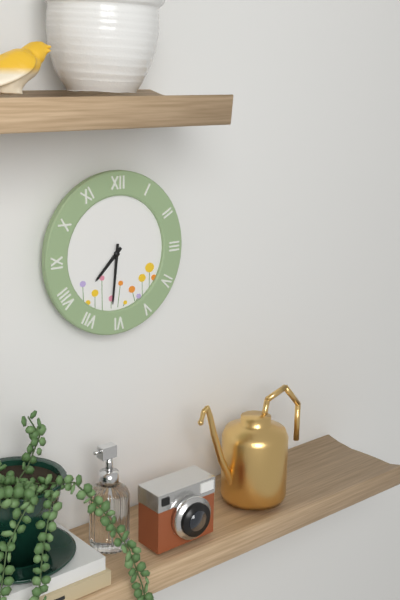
7 h 31 min
